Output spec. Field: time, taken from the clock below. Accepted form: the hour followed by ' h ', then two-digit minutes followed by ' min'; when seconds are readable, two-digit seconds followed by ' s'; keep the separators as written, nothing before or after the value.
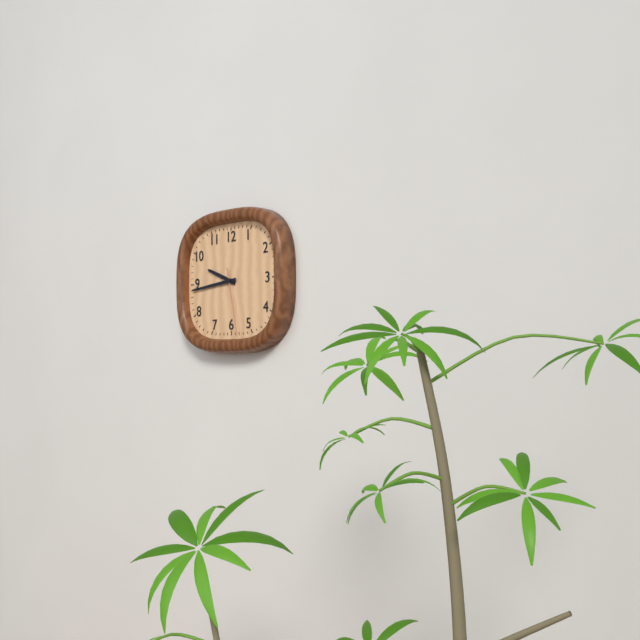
9 h 44 min 28 s
